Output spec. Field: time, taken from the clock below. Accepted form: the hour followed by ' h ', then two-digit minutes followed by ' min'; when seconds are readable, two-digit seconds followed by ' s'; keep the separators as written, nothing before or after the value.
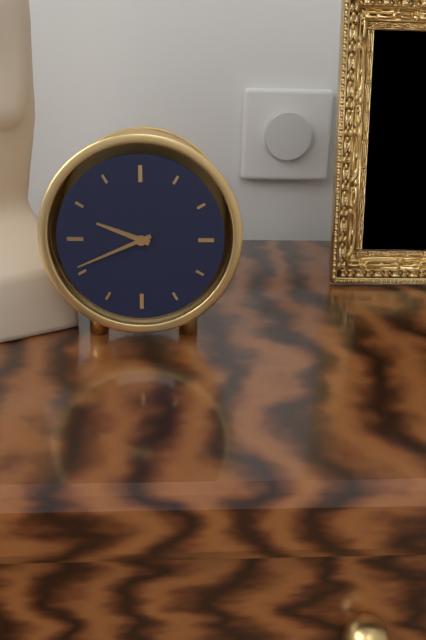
9 h 41 min
